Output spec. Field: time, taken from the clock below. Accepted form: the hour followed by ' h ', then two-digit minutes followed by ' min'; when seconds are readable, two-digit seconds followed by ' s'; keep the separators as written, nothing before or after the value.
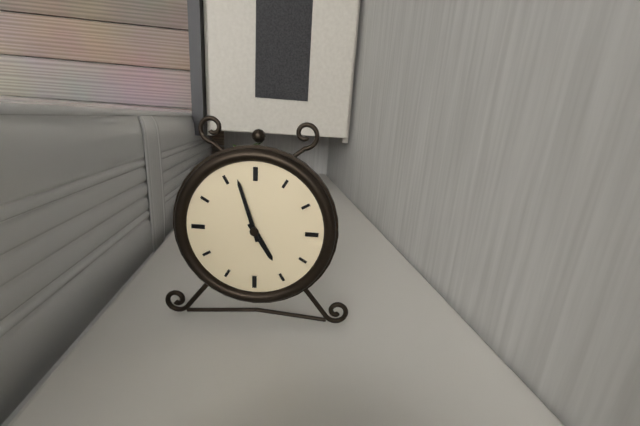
4 h 57 min
